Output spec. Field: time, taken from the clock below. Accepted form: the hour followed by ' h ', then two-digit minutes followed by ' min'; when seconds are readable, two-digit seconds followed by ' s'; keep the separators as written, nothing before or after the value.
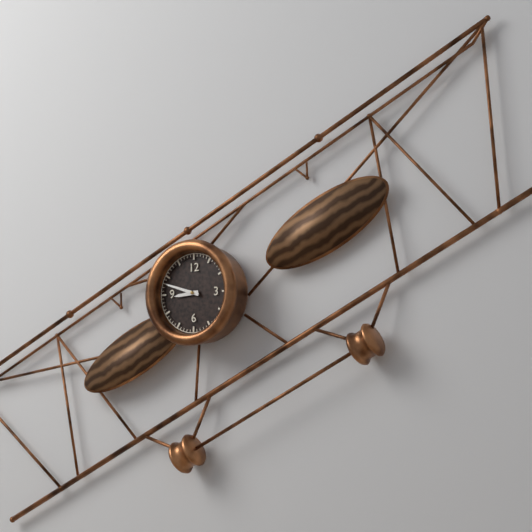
8 h 48 min
